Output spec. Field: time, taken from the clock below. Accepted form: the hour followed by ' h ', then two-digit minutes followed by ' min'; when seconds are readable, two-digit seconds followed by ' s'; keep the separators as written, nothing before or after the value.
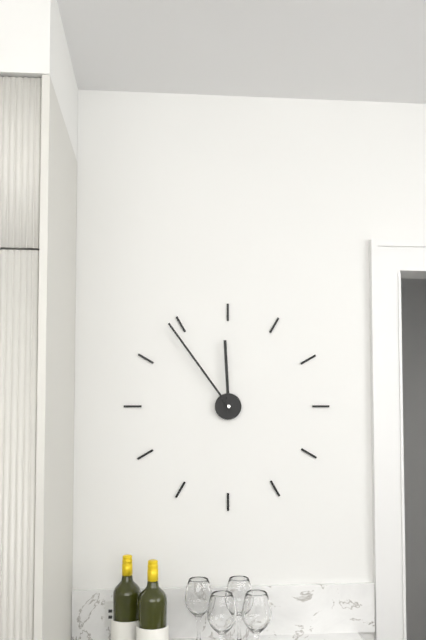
11 h 54 min
